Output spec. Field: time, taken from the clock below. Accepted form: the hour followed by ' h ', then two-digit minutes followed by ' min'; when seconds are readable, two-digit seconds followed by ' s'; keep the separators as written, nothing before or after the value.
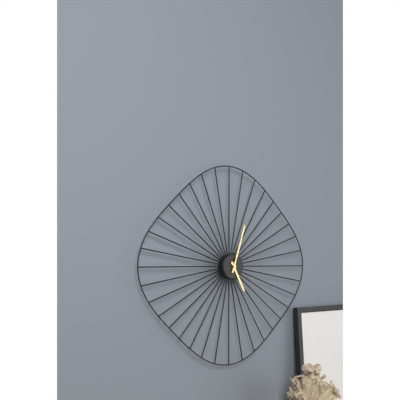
5 h 03 min
